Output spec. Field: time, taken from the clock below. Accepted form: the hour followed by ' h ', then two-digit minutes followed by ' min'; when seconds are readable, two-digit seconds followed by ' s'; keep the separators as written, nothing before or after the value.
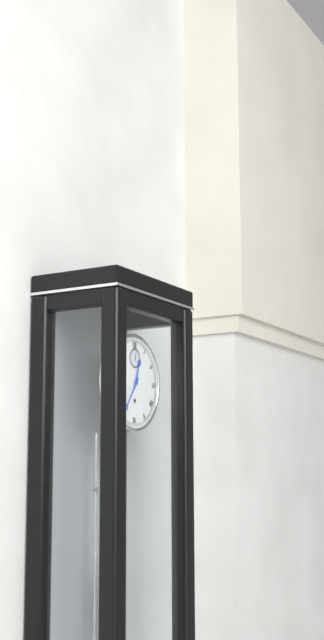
12 h 36 min
